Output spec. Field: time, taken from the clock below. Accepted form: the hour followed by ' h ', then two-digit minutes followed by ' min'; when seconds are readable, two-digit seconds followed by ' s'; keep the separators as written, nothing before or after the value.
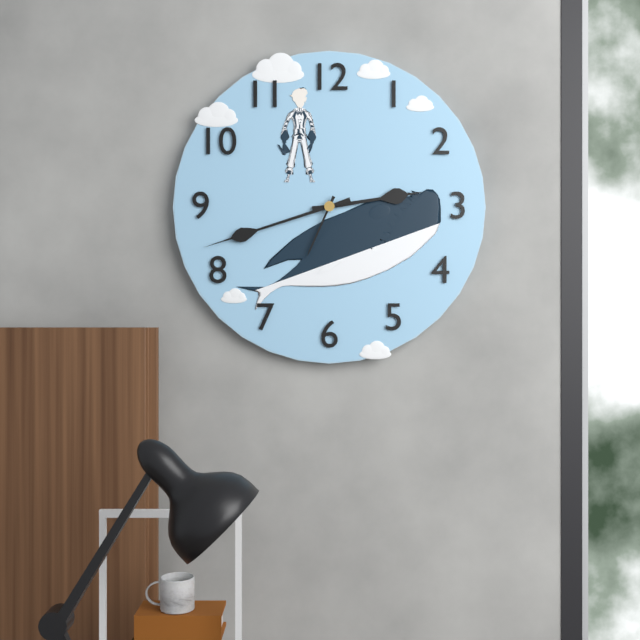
2 h 42 min 34 s
